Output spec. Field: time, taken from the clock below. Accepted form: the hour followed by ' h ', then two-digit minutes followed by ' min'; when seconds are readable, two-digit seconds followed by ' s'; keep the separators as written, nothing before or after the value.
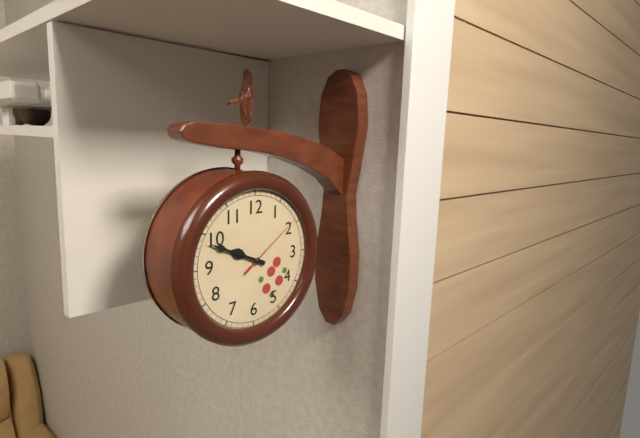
9 h 49 min 09 s
